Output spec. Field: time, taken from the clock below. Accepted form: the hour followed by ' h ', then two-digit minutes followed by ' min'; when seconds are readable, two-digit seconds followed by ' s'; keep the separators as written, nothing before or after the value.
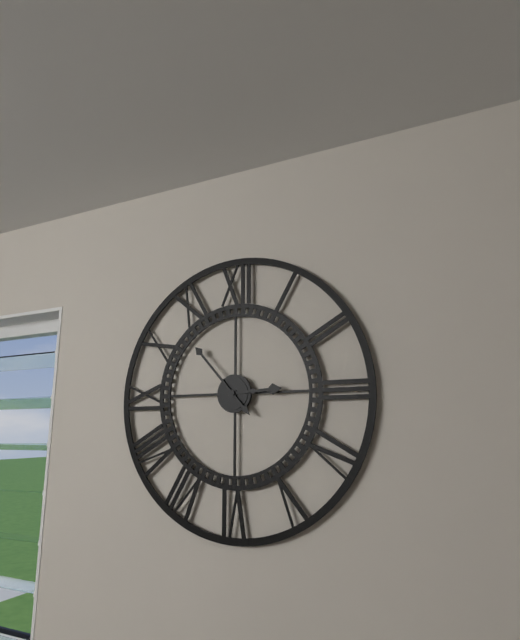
2 h 53 min
